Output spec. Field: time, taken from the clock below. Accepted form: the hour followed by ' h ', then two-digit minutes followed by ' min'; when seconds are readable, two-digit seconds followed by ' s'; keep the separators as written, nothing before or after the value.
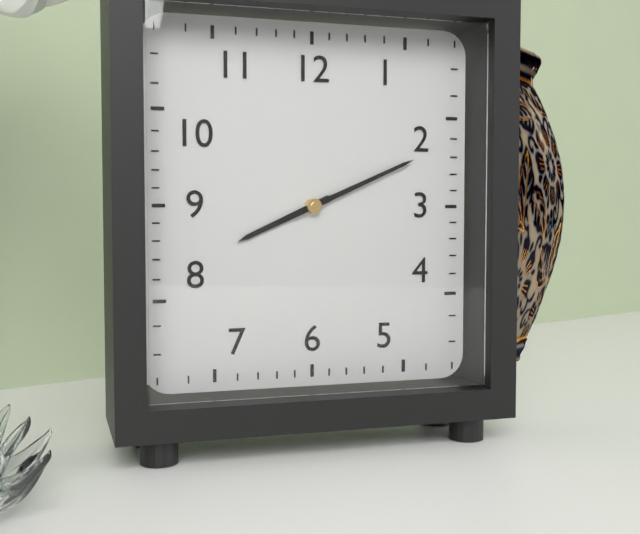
8 h 11 min
